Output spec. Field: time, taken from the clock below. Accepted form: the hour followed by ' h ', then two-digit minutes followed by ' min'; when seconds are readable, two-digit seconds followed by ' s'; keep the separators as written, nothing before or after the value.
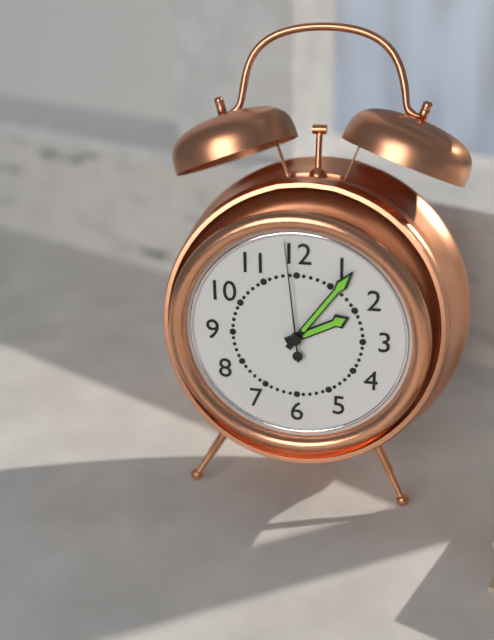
2 h 06 min 59 s
